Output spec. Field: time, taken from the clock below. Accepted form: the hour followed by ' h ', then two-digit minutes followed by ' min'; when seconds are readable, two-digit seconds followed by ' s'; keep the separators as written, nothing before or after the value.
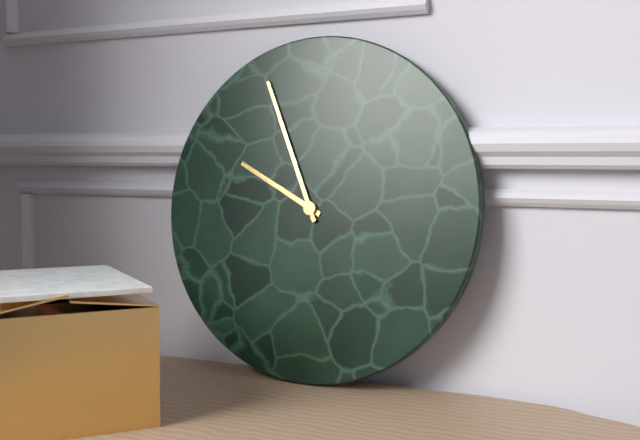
9 h 56 min
